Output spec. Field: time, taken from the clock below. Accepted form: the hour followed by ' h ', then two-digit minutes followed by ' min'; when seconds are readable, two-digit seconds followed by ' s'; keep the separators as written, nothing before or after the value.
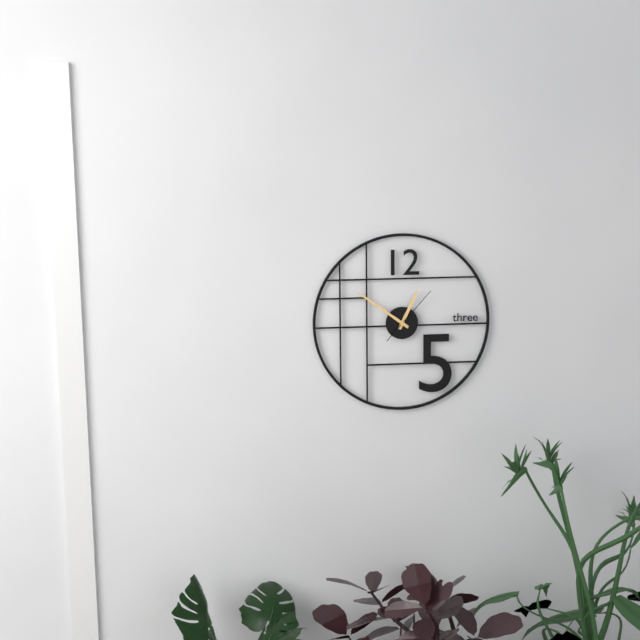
12 h 51 min 07 s
